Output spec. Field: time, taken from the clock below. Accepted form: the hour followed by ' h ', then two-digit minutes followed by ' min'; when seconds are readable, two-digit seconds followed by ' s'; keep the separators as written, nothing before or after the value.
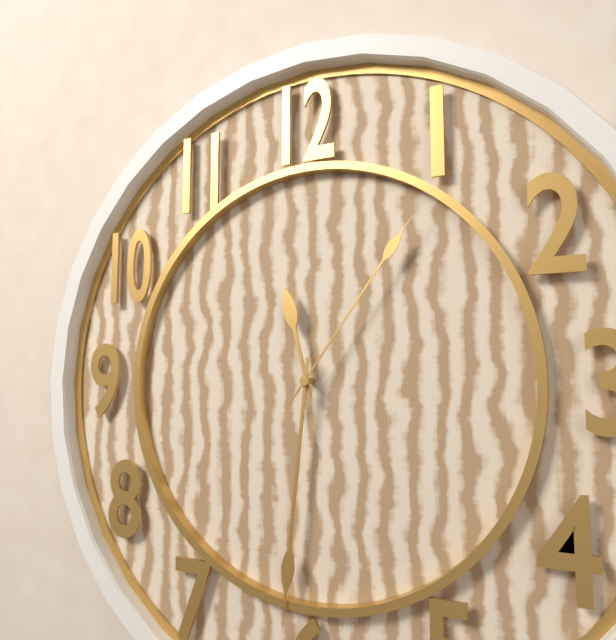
11 h 31 min 06 s
